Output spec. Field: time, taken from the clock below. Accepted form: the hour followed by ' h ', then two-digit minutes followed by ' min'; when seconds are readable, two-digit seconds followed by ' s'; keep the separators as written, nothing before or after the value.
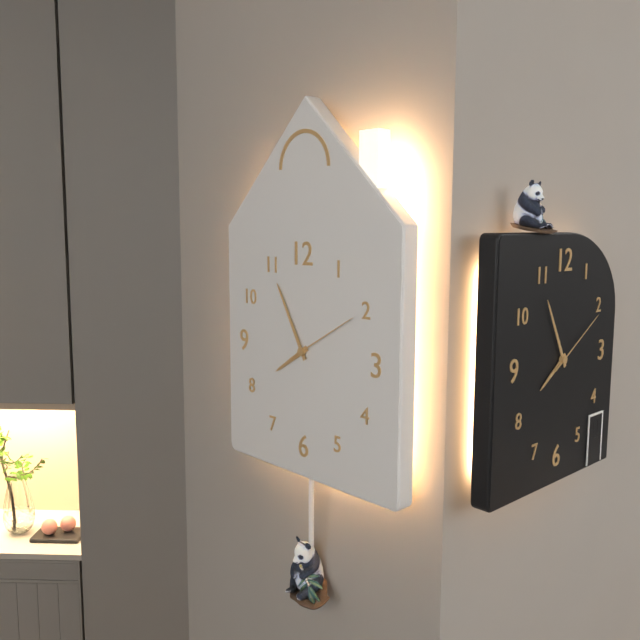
7 h 55 min 10 s
